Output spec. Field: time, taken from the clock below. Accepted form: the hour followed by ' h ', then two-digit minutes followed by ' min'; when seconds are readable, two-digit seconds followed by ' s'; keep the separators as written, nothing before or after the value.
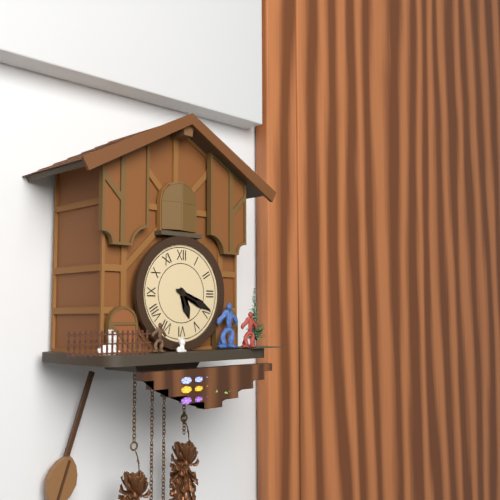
5 h 19 min
